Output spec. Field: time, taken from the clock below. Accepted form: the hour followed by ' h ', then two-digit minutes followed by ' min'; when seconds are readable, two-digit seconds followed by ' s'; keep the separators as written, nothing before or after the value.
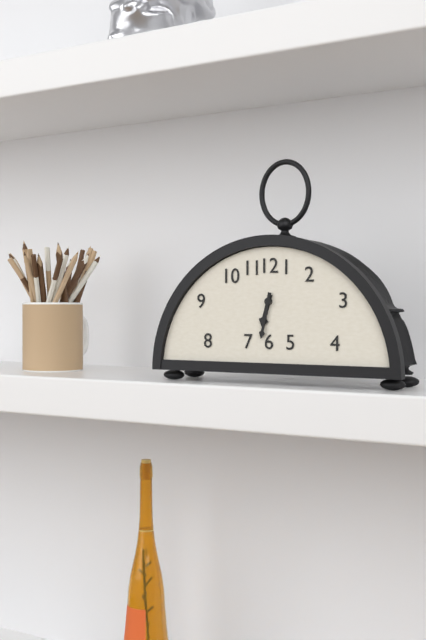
6 h 32 min
